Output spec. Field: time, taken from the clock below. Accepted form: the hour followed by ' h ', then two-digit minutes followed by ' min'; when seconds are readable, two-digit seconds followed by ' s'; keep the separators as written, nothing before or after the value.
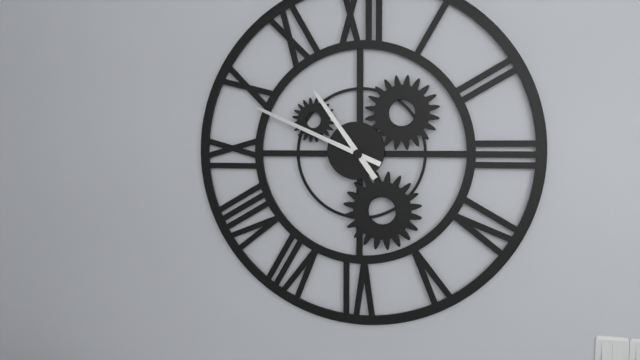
10 h 49 min
